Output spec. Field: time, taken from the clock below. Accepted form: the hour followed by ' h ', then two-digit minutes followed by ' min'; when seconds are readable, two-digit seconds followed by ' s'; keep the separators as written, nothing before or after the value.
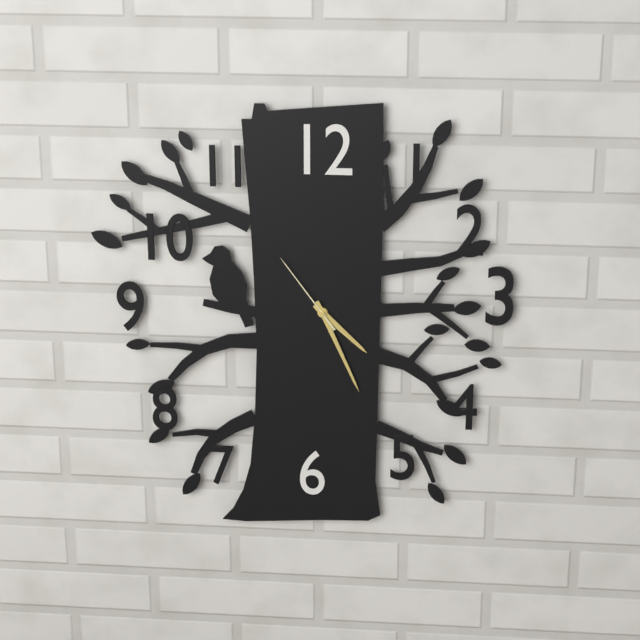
4 h 26 min 54 s
